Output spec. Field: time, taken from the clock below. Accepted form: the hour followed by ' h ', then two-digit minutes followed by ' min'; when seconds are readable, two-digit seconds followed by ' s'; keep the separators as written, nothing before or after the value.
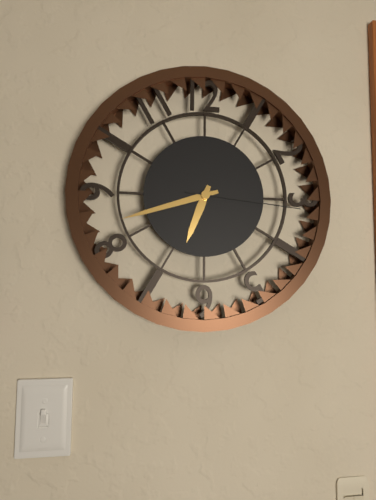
6 h 42 min 16 s
